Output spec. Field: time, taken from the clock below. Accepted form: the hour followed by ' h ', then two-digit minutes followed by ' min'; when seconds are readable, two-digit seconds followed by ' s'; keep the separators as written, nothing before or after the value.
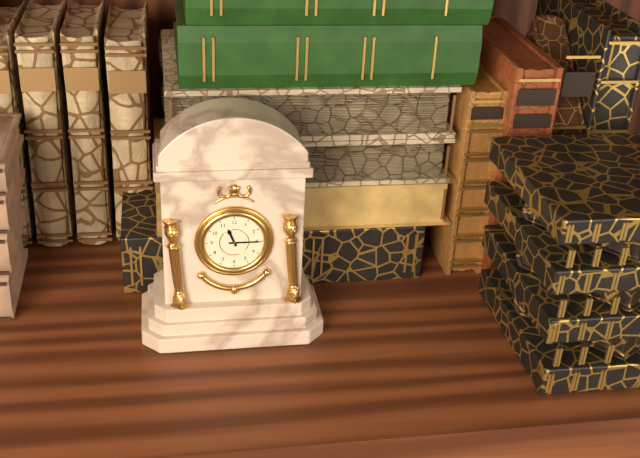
11 h 15 min
